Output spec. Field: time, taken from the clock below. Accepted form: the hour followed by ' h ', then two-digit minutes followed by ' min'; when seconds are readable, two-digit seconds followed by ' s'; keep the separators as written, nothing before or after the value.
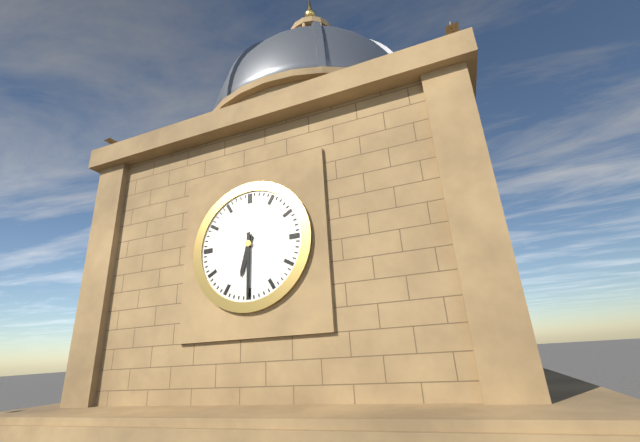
6 h 30 min
